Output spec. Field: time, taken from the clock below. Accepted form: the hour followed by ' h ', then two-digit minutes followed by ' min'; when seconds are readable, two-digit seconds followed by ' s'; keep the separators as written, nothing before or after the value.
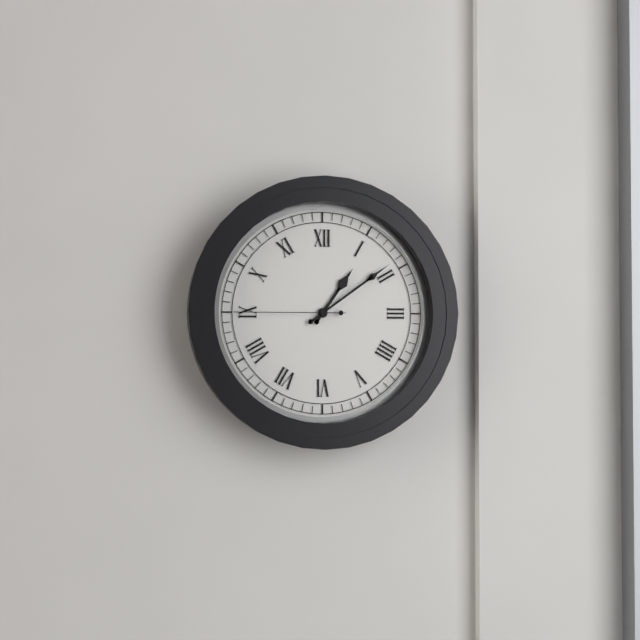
1 h 09 min 45 s
